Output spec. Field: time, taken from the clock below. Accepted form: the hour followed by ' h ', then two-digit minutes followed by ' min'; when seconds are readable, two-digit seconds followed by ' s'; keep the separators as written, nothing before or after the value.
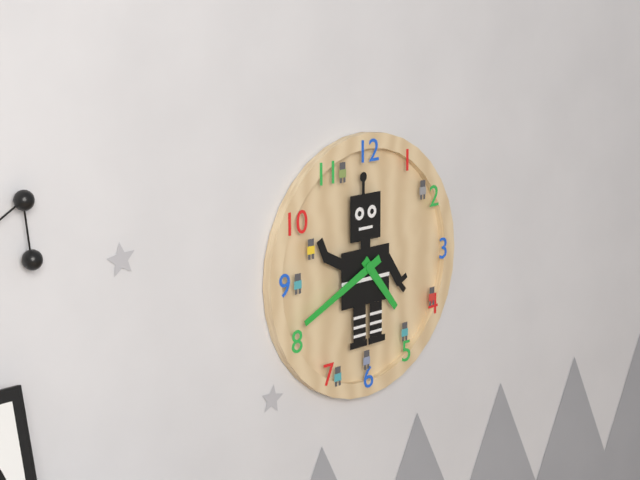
4 h 41 min
